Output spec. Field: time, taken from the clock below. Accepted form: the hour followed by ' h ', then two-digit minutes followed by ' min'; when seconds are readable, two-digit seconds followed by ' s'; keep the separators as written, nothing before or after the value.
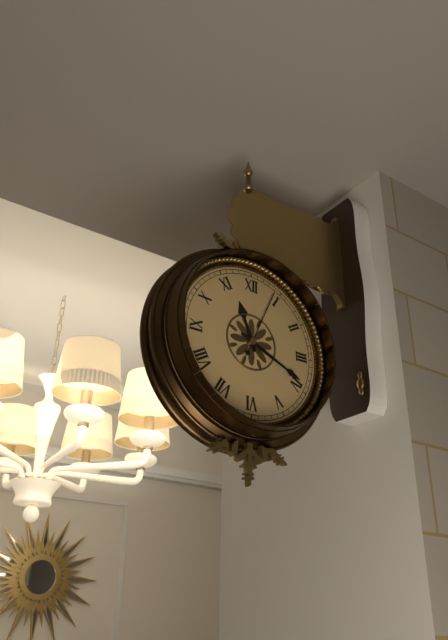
11 h 19 min 04 s
